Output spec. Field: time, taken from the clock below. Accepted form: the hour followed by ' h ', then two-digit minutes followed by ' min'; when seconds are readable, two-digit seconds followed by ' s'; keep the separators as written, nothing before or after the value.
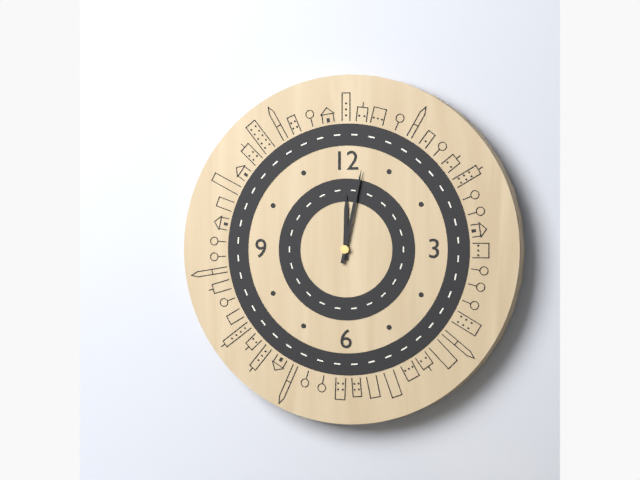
12 h 02 min
